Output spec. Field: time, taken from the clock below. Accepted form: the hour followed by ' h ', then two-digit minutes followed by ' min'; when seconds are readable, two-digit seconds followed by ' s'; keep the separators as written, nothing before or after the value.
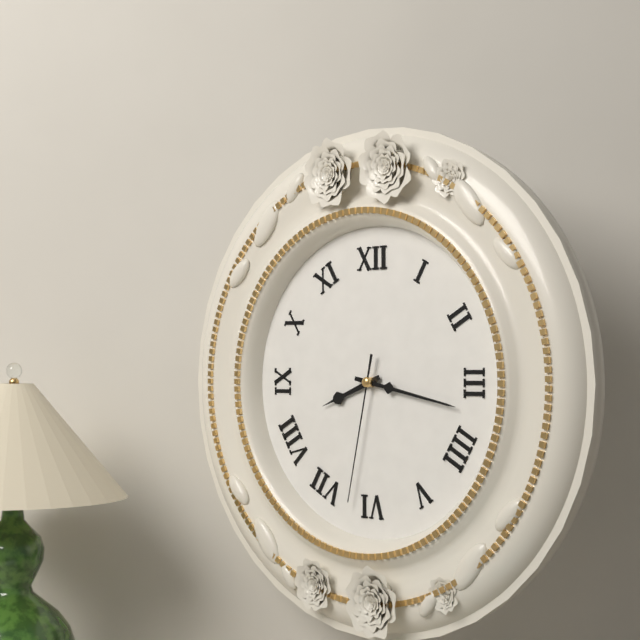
8 h 17 min 32 s
